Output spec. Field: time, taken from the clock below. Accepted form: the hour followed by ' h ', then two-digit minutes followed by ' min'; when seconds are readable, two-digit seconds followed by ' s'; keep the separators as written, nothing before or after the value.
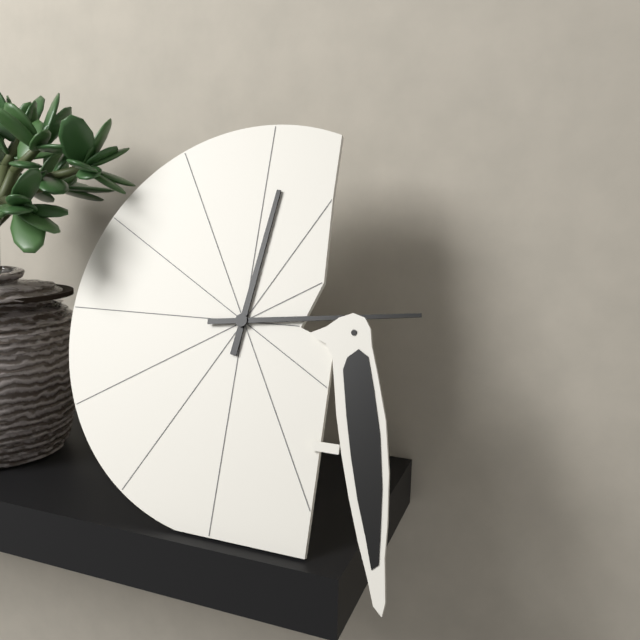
12 h 14 min
